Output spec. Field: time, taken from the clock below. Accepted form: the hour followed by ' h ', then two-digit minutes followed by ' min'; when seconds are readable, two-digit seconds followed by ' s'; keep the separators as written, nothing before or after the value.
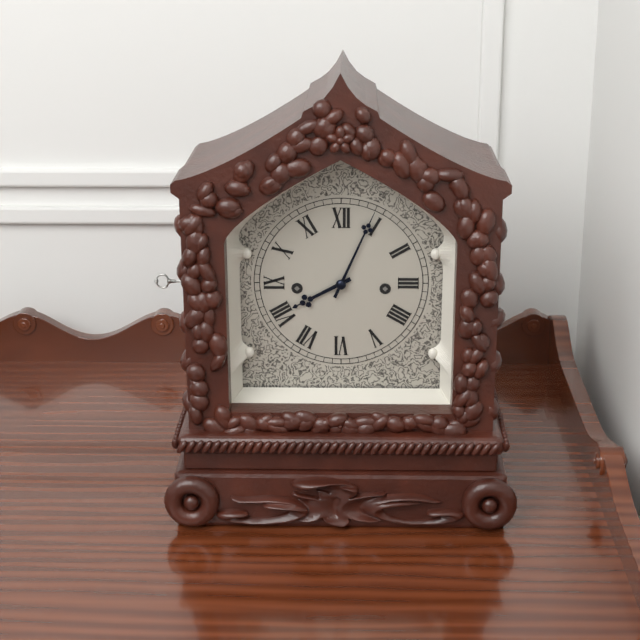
8 h 04 min
